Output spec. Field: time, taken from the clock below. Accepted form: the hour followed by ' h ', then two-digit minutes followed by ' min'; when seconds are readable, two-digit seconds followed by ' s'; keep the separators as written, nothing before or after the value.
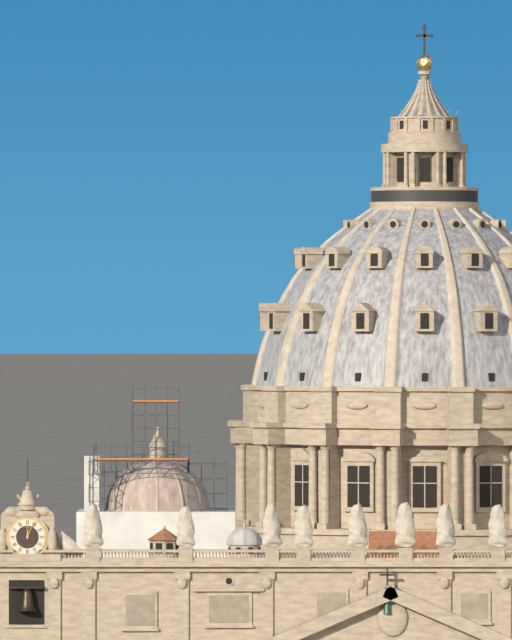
12 h 04 min
